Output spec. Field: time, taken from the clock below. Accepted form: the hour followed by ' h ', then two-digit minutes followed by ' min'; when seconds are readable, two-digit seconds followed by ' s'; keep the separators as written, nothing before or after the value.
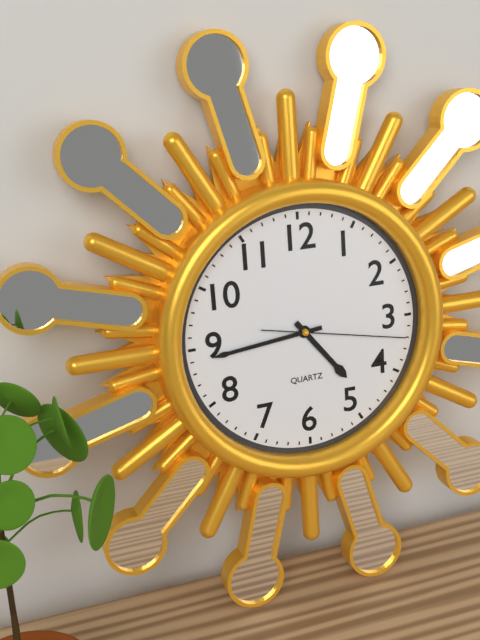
4 h 44 min 17 s
